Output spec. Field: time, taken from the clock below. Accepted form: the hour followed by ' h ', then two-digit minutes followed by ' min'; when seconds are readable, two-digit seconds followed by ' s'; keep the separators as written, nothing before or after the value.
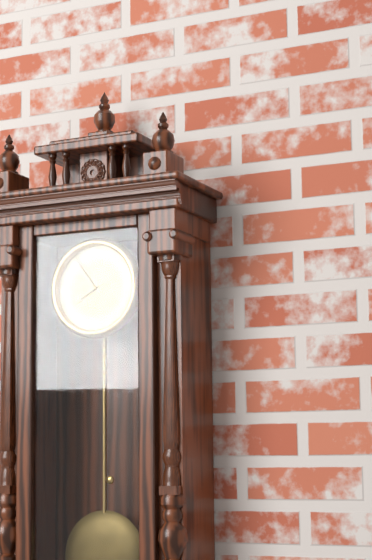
7 h 54 min
